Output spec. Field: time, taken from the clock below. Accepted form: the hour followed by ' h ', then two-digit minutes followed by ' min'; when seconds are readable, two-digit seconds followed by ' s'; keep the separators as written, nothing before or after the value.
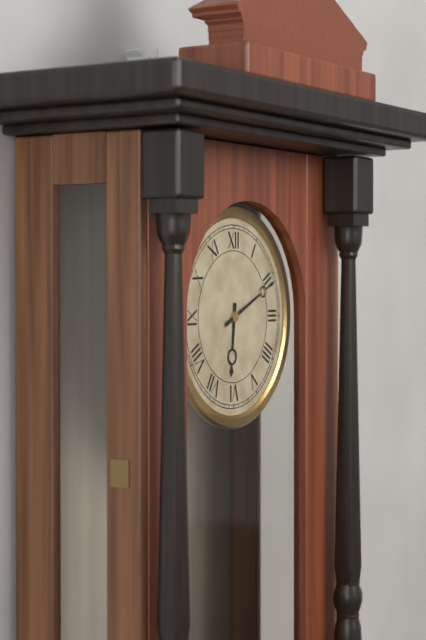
6 h 11 min
